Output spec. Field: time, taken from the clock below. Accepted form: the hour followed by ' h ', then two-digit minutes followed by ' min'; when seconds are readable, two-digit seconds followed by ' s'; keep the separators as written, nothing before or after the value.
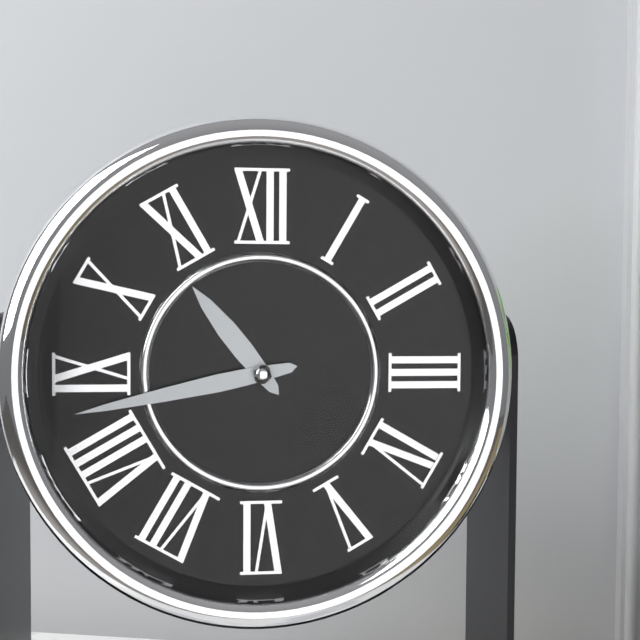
10 h 43 min
